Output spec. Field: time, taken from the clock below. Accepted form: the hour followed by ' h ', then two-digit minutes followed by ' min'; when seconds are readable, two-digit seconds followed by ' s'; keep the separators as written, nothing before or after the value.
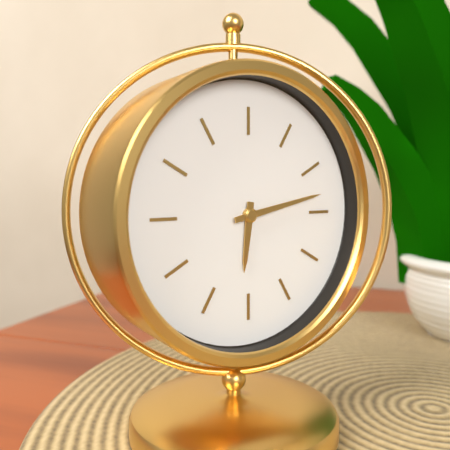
6 h 13 min
